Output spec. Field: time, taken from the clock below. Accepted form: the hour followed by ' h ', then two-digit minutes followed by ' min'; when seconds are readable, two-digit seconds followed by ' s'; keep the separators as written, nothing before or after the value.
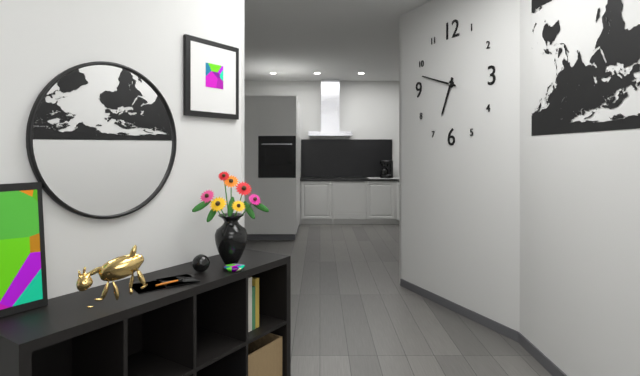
6 h 48 min
